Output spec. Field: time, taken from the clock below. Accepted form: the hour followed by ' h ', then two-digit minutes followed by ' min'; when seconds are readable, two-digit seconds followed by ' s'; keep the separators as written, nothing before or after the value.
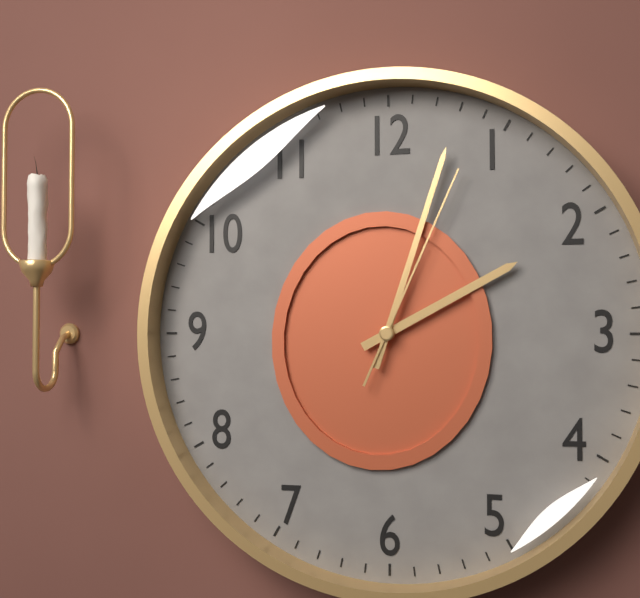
2 h 03 min 04 s
